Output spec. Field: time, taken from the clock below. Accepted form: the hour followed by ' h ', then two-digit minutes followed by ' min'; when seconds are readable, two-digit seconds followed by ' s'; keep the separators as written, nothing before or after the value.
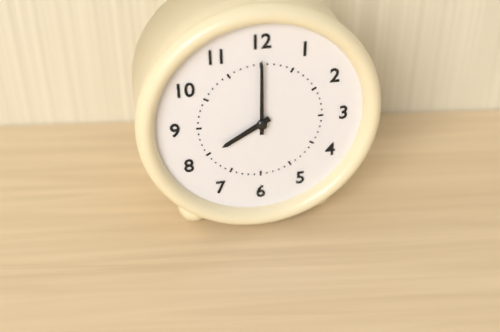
8 h 00 min
